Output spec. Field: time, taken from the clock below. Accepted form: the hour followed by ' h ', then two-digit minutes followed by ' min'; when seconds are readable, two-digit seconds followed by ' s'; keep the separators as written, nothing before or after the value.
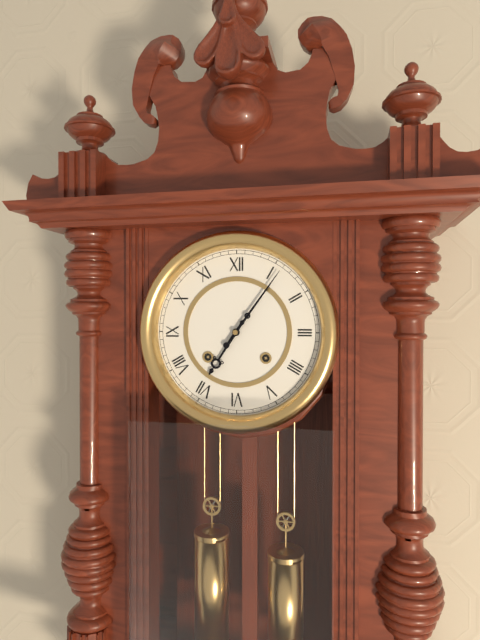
7 h 06 min
